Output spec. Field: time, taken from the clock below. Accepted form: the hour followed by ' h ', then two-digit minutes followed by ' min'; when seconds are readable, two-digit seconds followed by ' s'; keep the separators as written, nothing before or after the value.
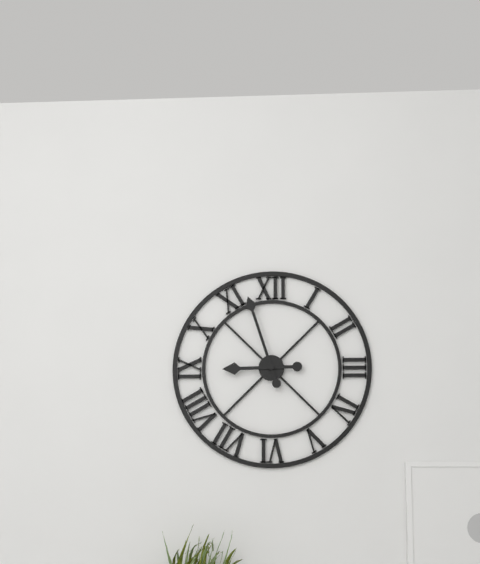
8 h 57 min
